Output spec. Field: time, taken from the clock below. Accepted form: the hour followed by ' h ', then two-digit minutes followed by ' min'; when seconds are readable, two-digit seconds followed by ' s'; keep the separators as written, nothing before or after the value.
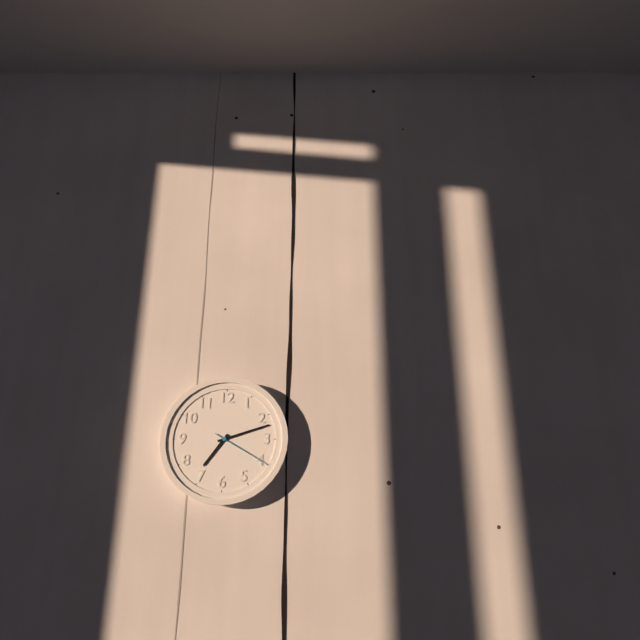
7 h 12 min 20 s
